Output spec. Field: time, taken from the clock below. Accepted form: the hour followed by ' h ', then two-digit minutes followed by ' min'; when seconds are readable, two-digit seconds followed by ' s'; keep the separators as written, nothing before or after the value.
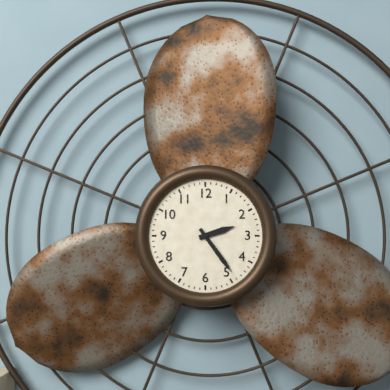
2 h 24 min
